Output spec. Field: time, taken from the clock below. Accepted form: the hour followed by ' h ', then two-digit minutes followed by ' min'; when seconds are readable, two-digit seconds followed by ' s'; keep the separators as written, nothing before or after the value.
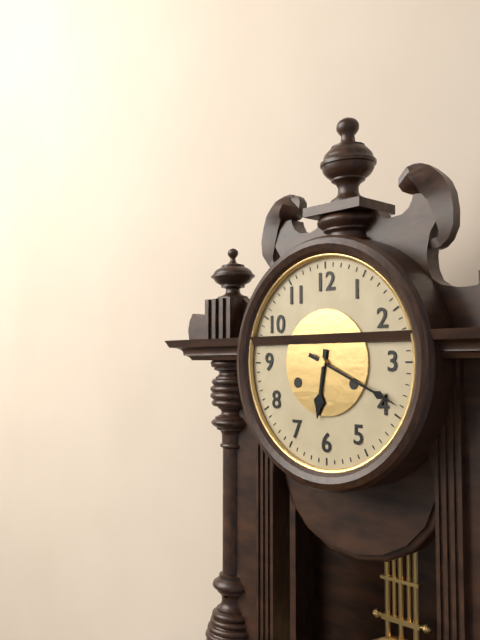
6 h 19 min
